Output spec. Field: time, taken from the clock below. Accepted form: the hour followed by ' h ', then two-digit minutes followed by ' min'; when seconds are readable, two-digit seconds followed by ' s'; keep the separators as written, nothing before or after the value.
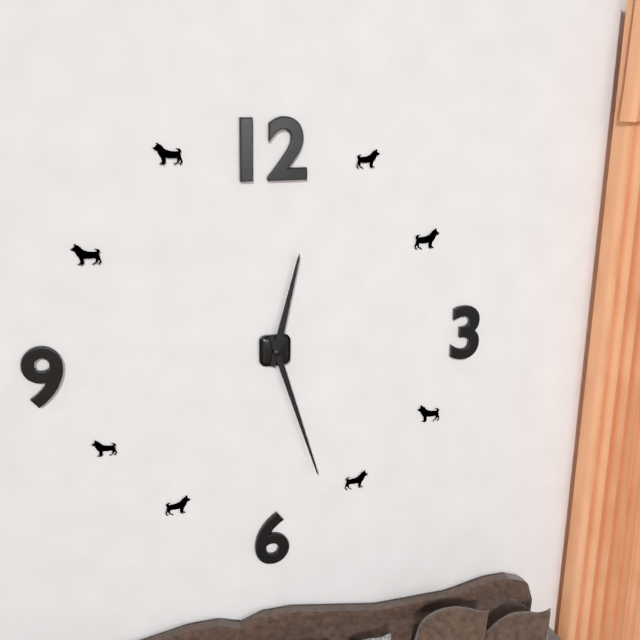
12 h 27 min
